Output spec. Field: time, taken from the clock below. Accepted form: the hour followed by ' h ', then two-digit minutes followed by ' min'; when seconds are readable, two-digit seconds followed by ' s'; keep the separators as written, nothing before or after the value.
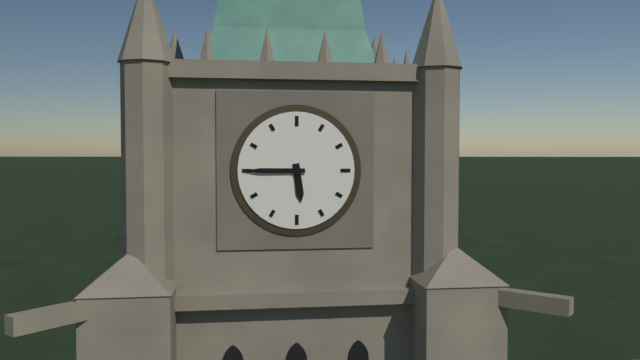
5 h 45 min
